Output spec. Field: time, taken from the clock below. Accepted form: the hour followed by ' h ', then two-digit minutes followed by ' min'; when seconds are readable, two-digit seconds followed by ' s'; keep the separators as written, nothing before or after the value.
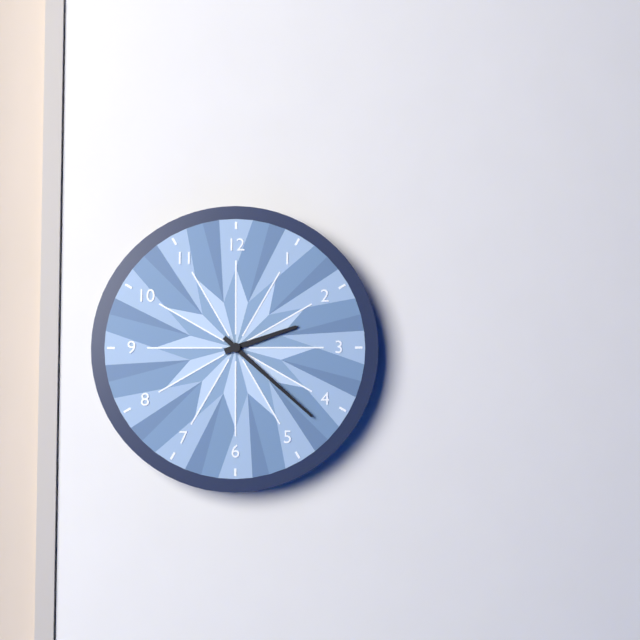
2 h 22 min
